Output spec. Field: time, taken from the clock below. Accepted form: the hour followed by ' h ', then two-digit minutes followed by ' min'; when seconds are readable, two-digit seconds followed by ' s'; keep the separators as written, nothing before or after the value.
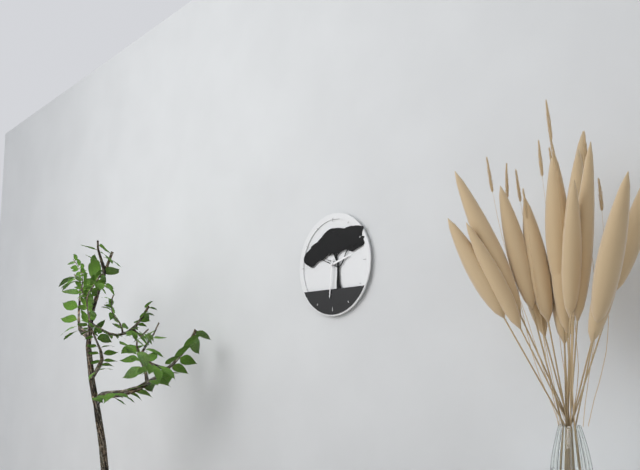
2 h 31 min
